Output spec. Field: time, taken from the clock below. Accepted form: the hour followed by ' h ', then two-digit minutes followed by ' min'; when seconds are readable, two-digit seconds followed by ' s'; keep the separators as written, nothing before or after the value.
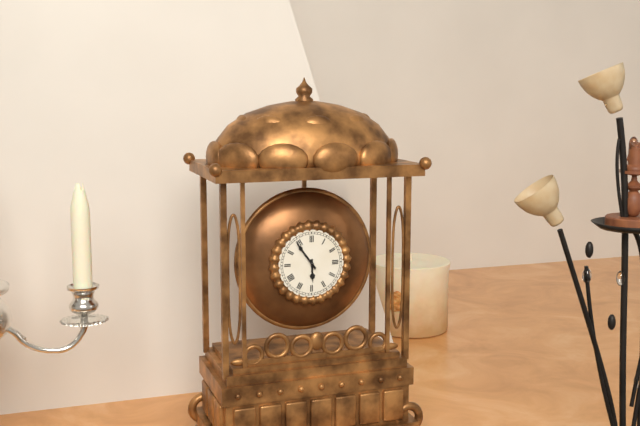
5 h 54 min
